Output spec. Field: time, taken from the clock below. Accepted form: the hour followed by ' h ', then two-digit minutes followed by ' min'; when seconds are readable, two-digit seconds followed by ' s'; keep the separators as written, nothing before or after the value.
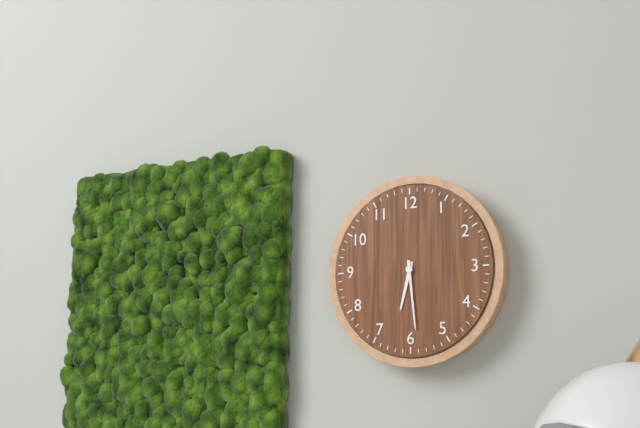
6 h 29 min
